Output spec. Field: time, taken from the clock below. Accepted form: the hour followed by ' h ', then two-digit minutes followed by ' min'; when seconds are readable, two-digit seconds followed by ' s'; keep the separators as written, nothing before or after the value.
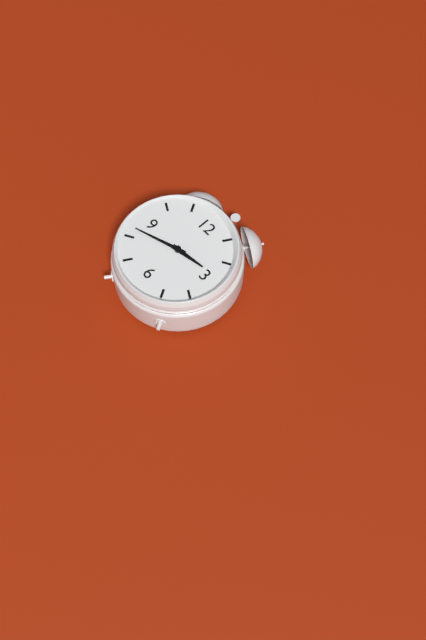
2 h 42 min
